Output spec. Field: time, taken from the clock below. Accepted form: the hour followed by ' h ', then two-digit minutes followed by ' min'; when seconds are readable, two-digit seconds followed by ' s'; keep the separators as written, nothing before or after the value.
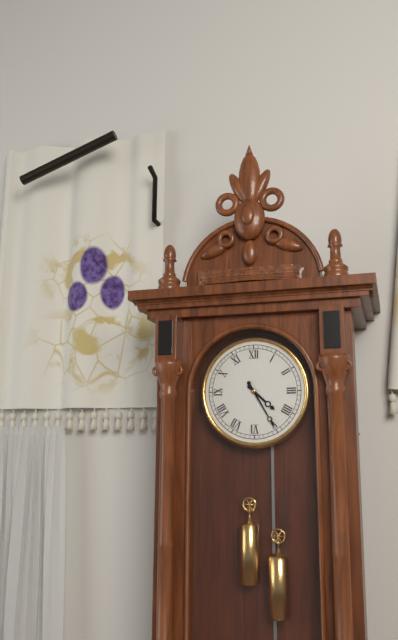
4 h 25 min
